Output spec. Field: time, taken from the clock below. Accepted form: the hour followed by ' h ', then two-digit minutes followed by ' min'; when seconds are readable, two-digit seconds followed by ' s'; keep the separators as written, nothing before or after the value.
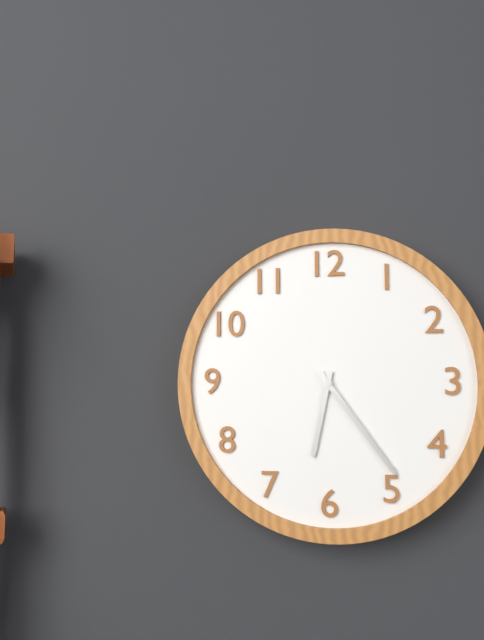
6 h 24 min
